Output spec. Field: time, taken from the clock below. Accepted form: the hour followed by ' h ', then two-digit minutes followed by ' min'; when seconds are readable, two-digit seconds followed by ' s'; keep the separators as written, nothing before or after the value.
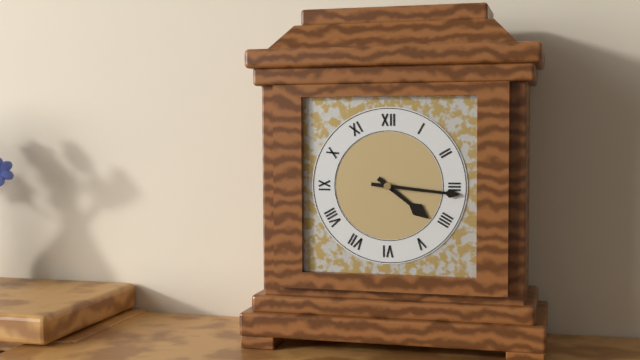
4 h 16 min
